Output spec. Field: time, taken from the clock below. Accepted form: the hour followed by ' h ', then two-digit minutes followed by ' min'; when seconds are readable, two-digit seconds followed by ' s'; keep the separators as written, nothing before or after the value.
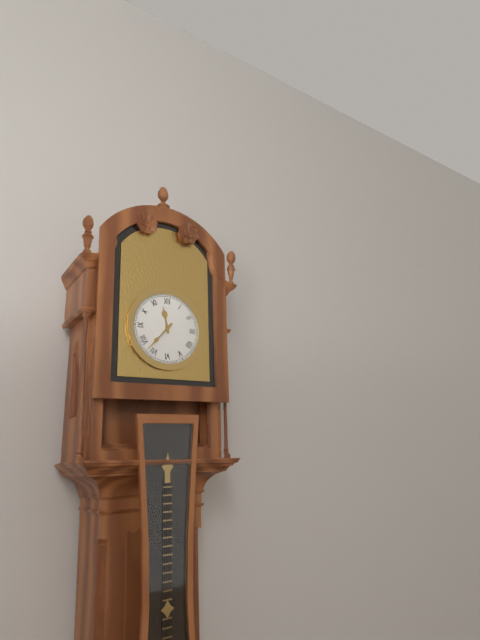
11 h 37 min
